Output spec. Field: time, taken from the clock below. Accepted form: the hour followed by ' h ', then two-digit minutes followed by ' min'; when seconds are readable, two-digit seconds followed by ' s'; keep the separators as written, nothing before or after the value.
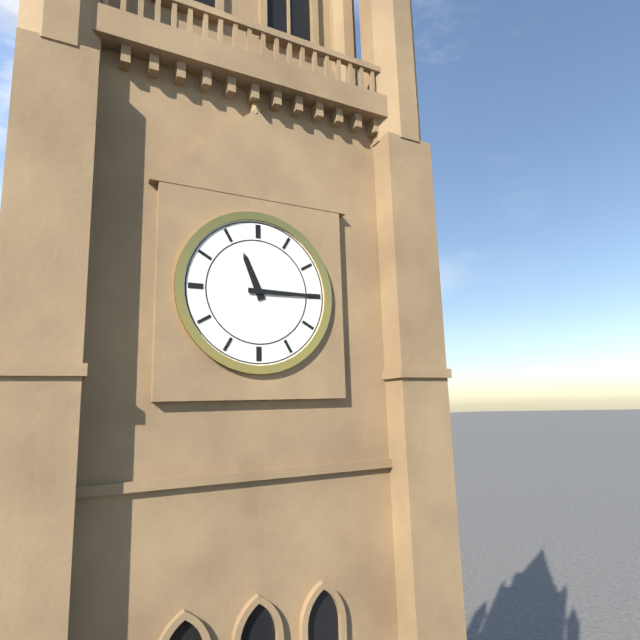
11 h 15 min
